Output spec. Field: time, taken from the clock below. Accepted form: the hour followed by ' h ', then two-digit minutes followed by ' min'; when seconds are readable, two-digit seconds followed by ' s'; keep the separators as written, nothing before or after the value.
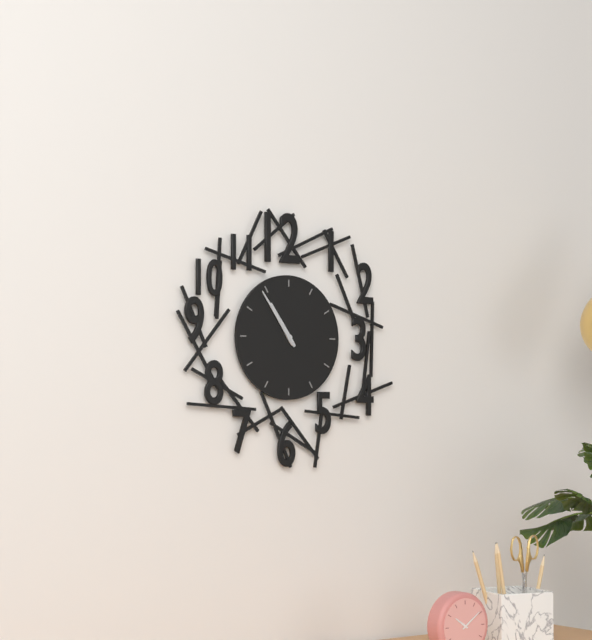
10 h 54 min
